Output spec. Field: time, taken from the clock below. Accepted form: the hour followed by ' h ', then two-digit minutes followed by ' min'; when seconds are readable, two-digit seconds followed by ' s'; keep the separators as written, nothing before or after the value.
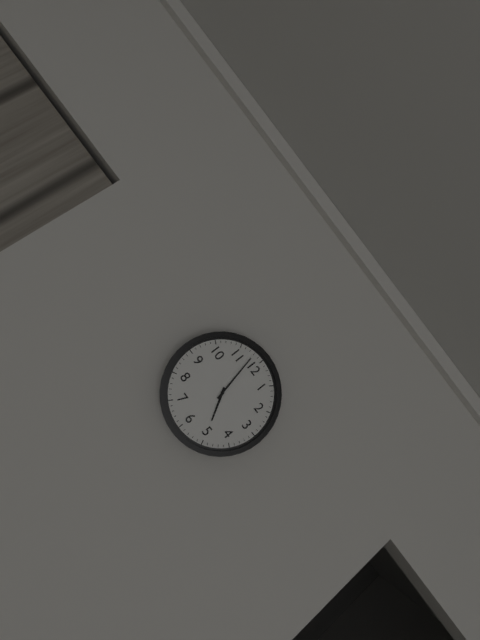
4 h 58 min
